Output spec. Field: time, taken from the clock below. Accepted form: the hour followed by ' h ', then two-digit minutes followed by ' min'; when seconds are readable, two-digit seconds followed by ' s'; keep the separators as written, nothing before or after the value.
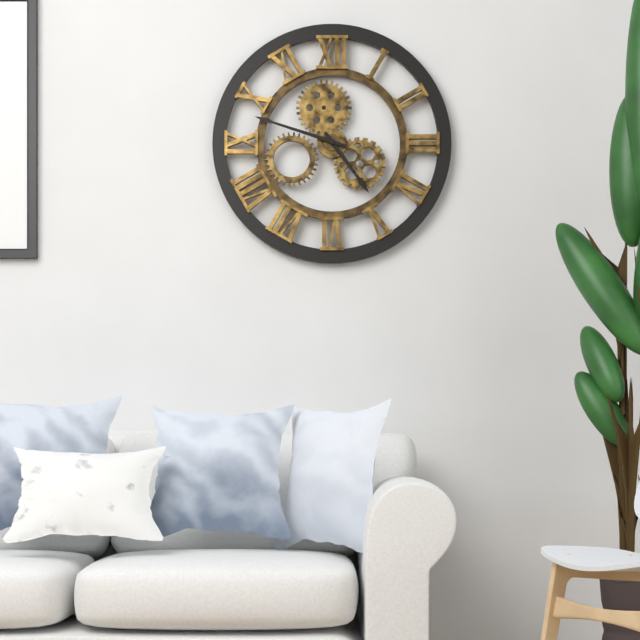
4 h 48 min
